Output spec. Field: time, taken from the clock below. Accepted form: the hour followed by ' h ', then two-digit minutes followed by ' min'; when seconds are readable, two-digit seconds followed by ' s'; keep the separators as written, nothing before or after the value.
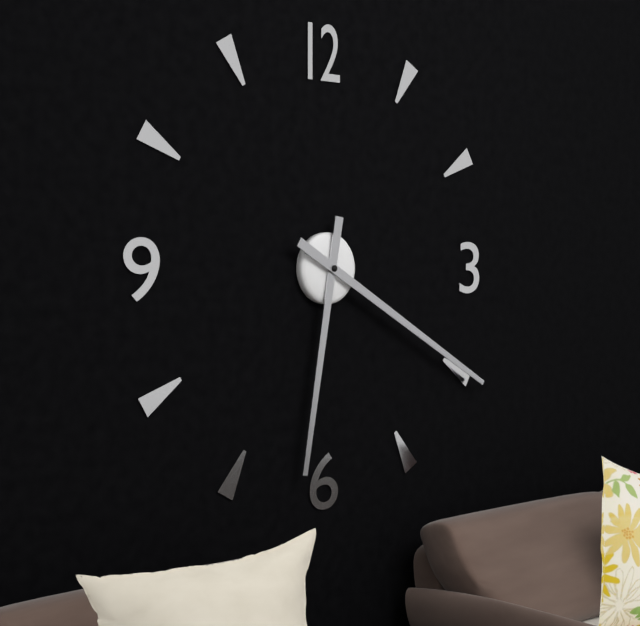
6 h 20 min
